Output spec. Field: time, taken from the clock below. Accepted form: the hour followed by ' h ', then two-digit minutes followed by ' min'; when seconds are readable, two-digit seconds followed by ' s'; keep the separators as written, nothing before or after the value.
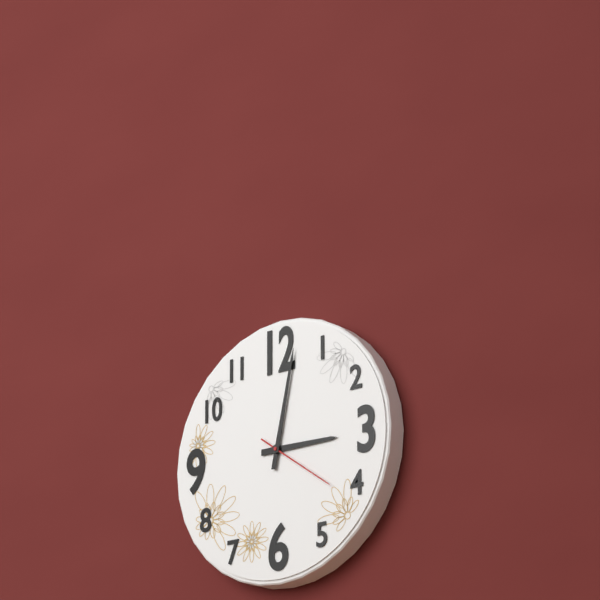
3 h 02 min 21 s
